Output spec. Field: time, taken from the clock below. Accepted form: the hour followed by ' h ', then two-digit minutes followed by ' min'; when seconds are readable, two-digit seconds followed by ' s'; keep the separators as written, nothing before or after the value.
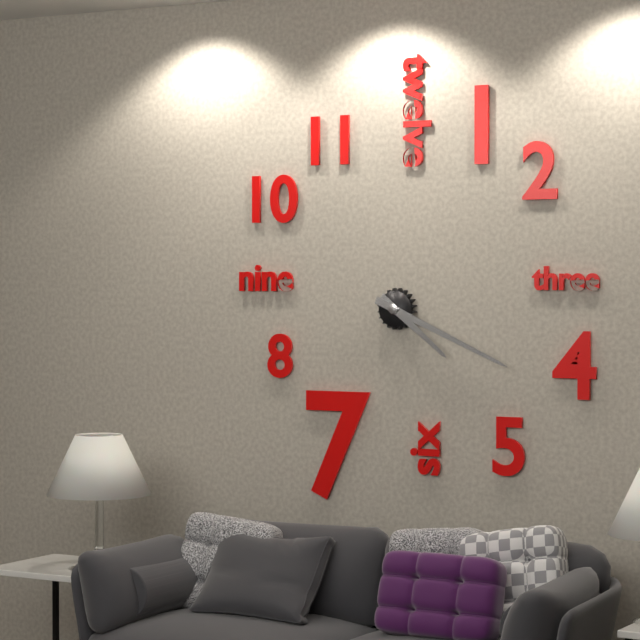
4 h 19 min
